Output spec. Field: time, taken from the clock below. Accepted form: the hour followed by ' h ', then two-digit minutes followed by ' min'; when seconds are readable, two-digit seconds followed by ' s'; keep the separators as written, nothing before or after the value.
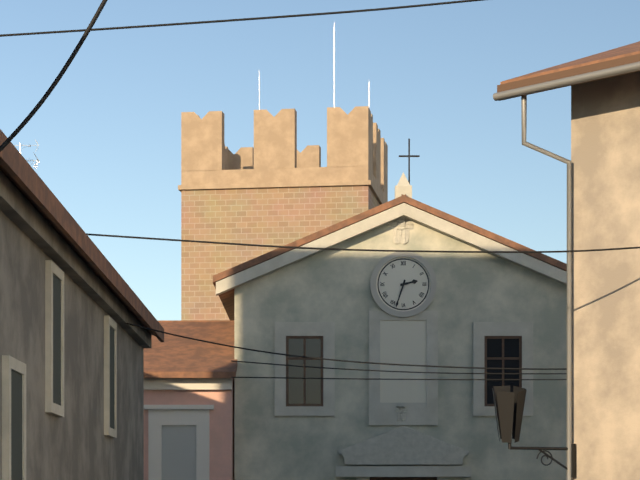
2 h 33 min
